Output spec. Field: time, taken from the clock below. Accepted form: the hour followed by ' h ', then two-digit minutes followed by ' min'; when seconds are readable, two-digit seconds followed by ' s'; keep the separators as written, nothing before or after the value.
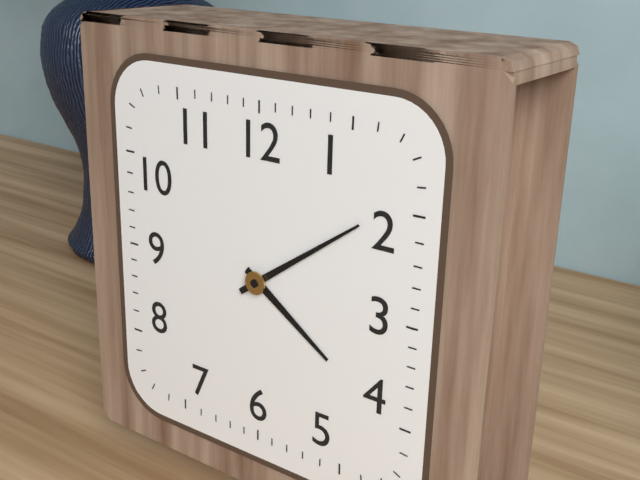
4 h 09 min
